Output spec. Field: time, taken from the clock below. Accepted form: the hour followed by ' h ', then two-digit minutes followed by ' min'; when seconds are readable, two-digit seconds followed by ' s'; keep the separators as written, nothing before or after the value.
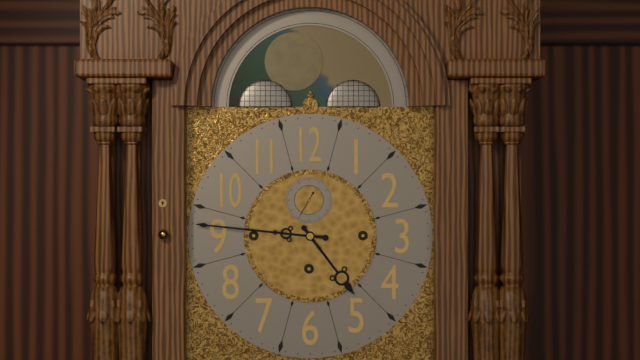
4 h 46 min
